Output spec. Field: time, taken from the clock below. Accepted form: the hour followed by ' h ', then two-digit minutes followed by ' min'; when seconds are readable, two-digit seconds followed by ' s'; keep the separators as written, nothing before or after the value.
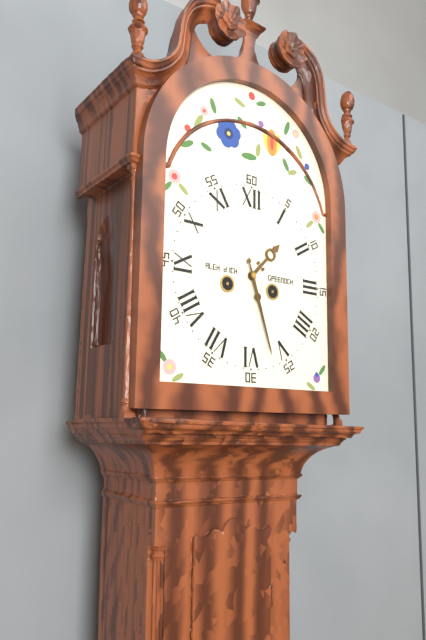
1 h 27 min
